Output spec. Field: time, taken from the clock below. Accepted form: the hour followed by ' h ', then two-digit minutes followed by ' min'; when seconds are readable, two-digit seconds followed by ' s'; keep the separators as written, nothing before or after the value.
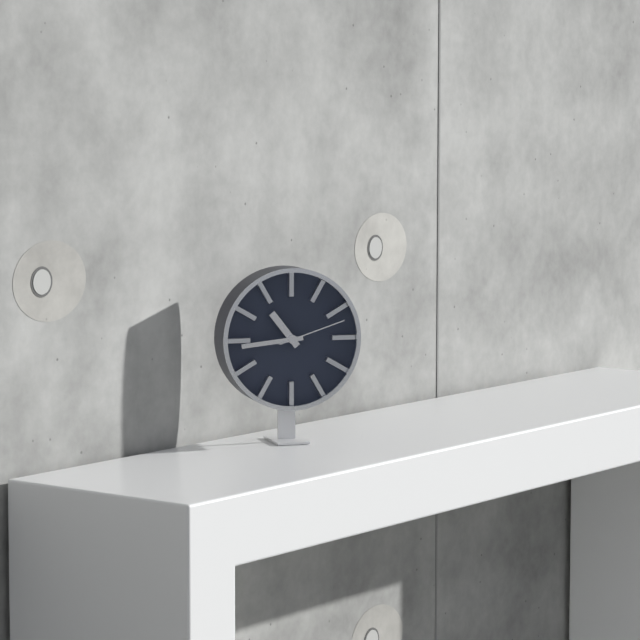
10 h 44 min 12 s
